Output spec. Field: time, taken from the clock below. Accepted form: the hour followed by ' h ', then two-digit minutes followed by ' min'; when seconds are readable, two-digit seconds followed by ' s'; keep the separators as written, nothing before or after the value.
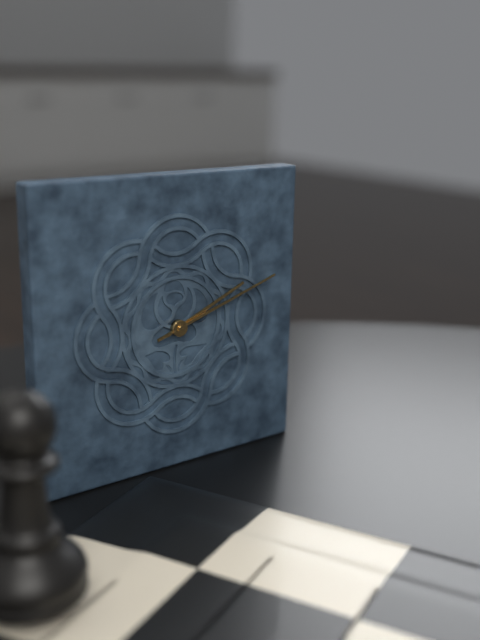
2 h 12 min
